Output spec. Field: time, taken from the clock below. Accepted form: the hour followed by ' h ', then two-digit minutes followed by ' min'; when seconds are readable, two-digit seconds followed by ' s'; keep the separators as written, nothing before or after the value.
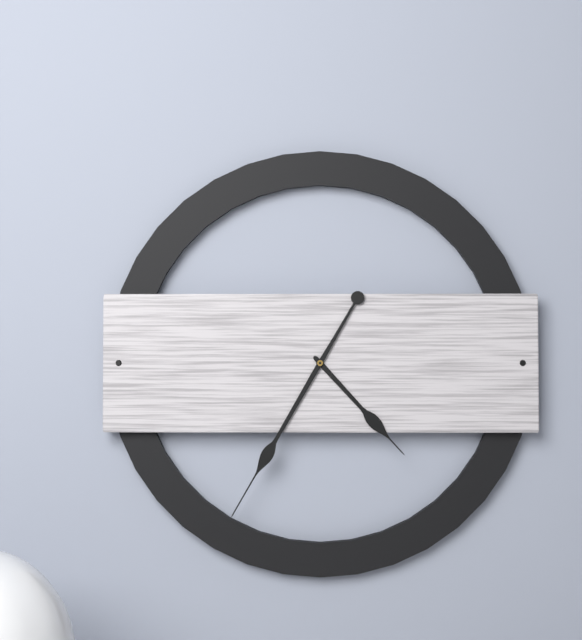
4 h 35 min
